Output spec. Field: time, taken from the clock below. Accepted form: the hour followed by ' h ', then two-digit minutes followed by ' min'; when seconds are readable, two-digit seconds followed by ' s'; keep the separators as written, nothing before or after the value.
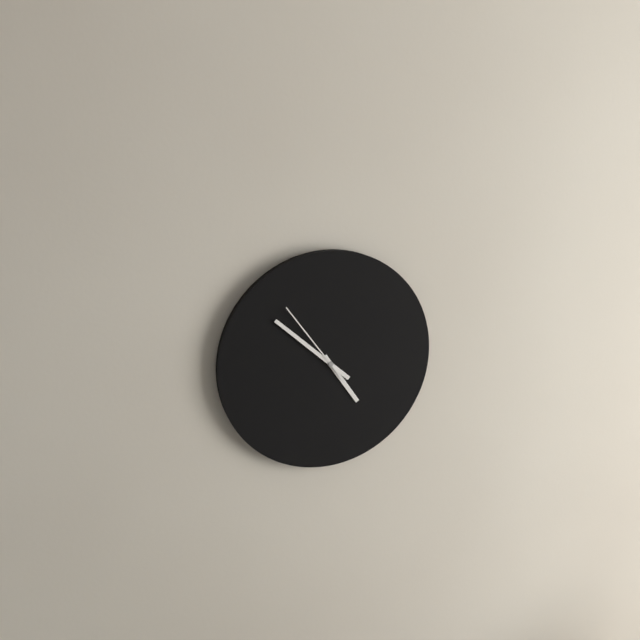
4 h 52 min 54 s
